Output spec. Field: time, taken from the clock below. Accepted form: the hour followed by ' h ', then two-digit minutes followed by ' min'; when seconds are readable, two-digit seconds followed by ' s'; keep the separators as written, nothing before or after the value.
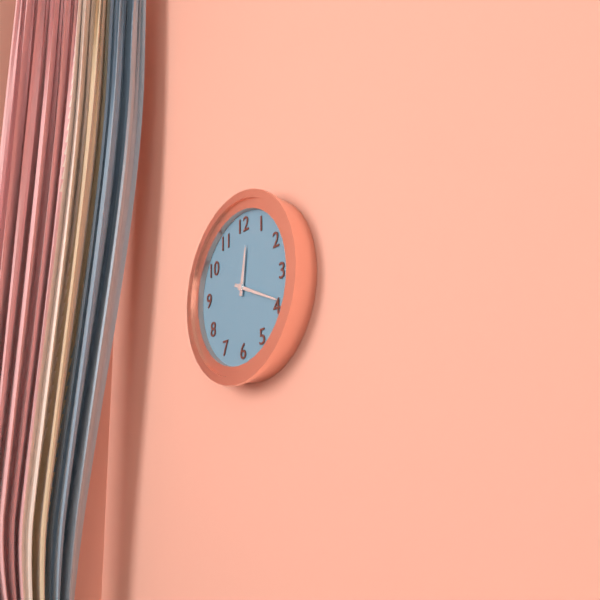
12 h 19 min
